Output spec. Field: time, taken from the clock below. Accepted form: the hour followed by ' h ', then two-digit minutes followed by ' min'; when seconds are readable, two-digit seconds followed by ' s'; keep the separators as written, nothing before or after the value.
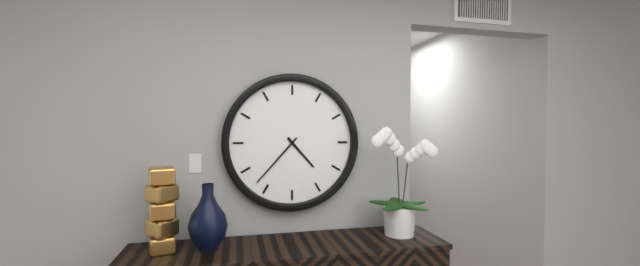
4 h 37 min
